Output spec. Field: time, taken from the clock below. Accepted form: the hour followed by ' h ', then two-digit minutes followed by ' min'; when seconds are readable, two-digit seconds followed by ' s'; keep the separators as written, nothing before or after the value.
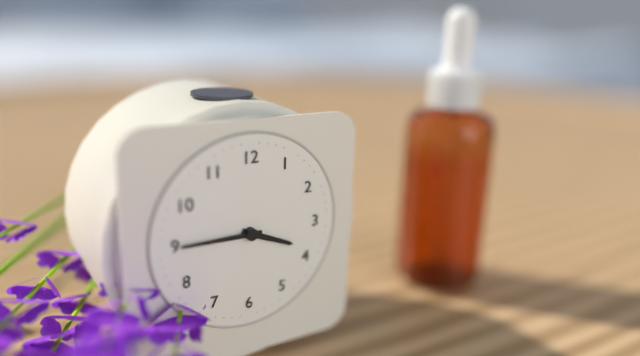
3 h 45 min
